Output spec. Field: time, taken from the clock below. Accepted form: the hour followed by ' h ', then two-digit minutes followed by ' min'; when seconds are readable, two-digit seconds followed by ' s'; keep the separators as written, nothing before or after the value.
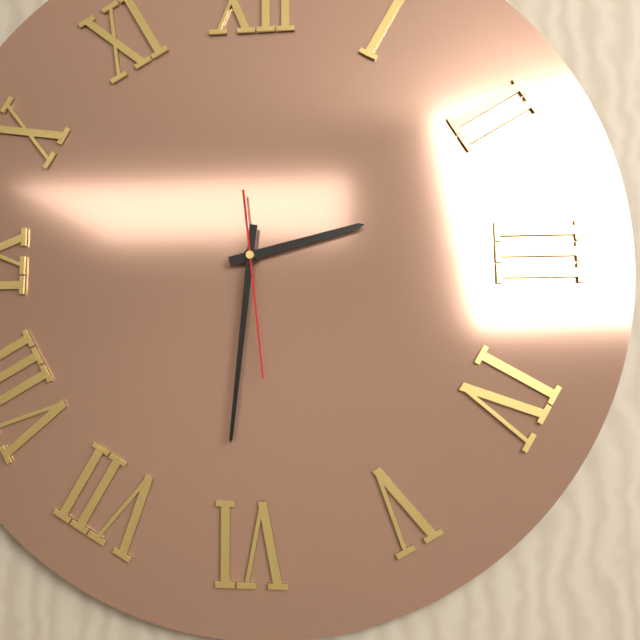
2 h 31 min 29 s
